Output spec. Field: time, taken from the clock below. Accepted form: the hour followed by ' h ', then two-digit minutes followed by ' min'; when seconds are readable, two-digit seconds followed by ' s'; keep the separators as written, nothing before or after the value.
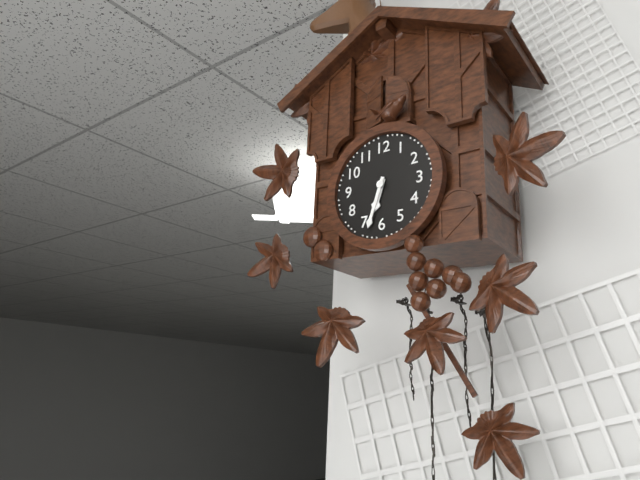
6 h 33 min
